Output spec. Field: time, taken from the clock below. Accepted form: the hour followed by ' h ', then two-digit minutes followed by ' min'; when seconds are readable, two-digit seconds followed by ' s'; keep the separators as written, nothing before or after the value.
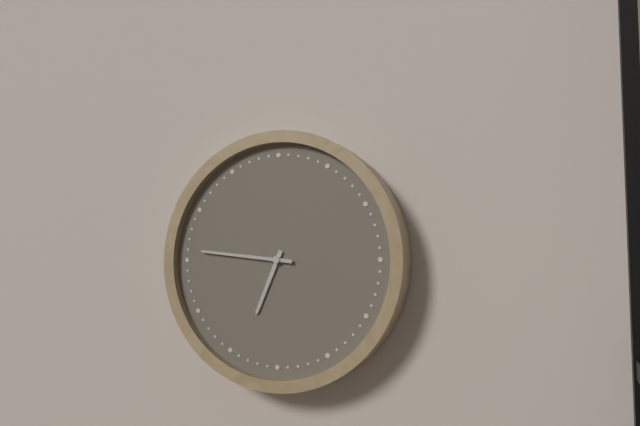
6 h 46 min
